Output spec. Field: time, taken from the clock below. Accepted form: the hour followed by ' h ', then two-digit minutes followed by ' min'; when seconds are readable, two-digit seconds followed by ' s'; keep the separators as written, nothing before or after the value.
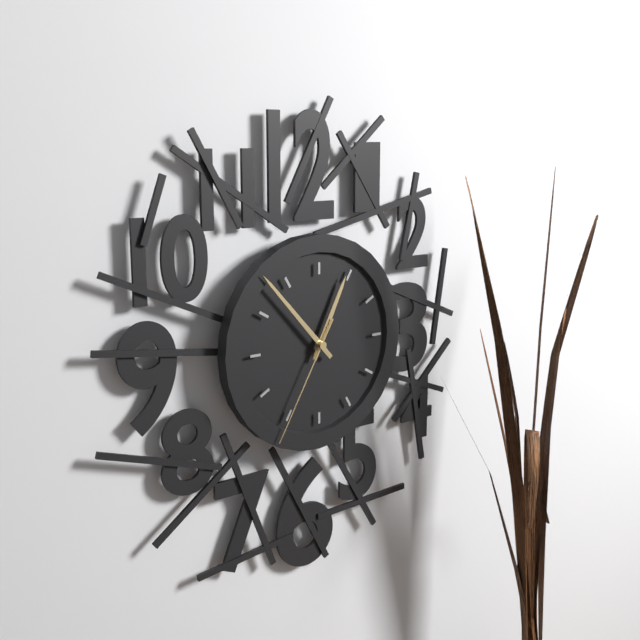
12 h 53 min 35 s
